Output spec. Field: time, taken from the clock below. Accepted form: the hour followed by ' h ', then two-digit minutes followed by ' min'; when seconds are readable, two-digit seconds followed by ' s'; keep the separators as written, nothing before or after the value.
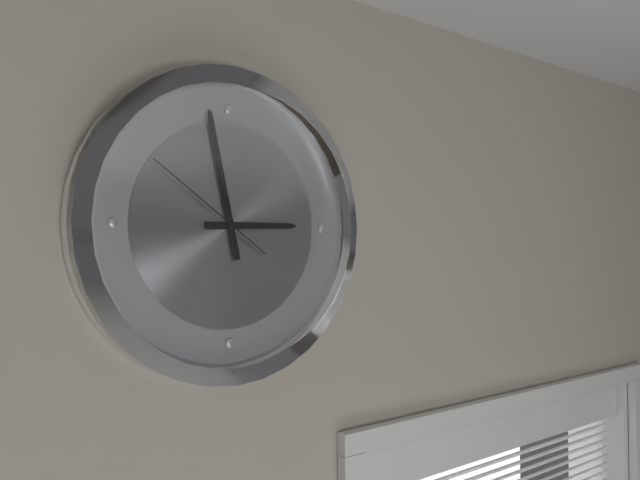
2 h 58 min 51 s
